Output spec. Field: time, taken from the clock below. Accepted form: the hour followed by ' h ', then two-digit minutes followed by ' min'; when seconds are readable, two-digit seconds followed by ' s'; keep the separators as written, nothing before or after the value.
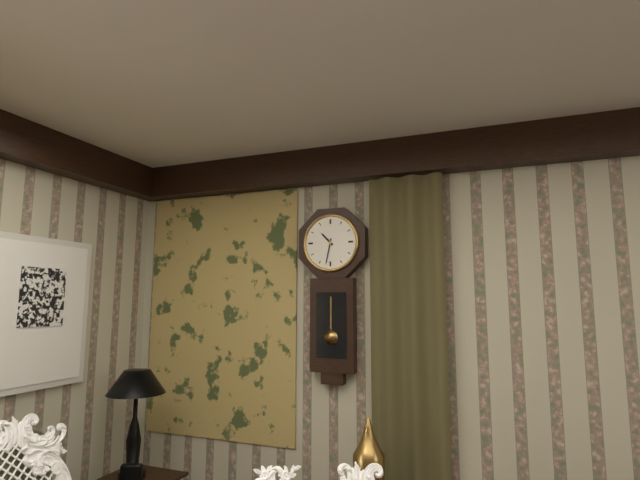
10 h 32 min
